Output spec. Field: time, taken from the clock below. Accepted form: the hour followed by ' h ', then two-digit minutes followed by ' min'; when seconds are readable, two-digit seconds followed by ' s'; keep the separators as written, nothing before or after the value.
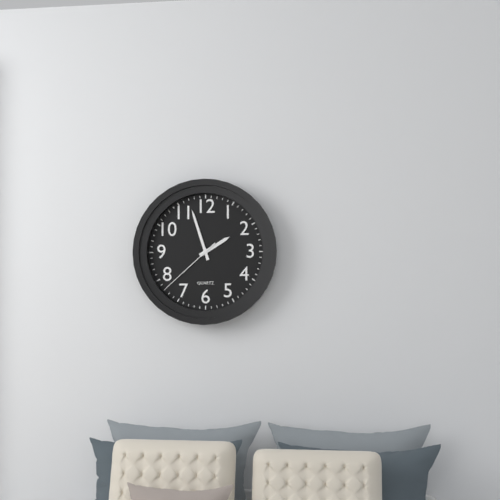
1 h 57 min 38 s
